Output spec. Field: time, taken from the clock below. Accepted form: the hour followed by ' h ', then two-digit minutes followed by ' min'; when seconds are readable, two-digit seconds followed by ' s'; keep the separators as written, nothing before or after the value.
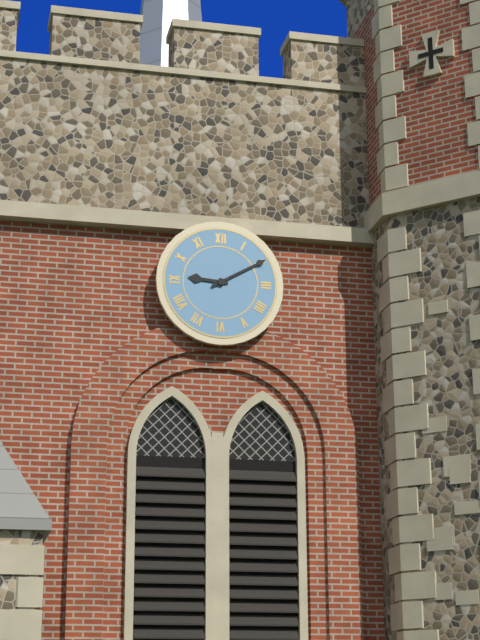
9 h 10 min
